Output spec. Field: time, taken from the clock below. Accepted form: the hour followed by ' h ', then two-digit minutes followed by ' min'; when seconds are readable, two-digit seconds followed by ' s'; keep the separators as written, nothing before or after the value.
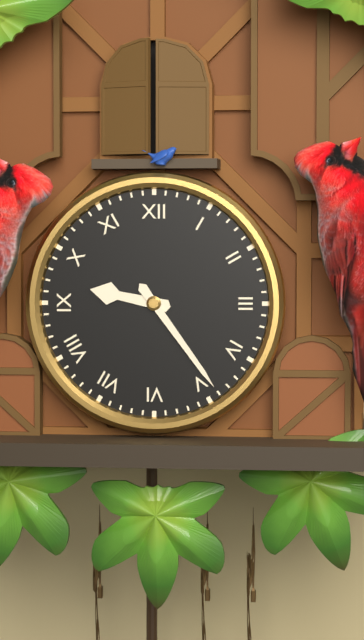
9 h 24 min
